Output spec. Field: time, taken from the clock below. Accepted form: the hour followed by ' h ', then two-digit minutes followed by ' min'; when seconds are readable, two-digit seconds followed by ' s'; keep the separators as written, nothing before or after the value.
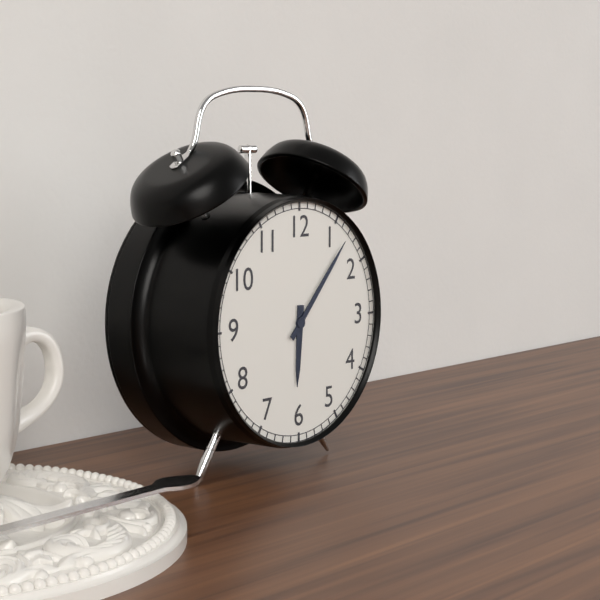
6 h 07 min
